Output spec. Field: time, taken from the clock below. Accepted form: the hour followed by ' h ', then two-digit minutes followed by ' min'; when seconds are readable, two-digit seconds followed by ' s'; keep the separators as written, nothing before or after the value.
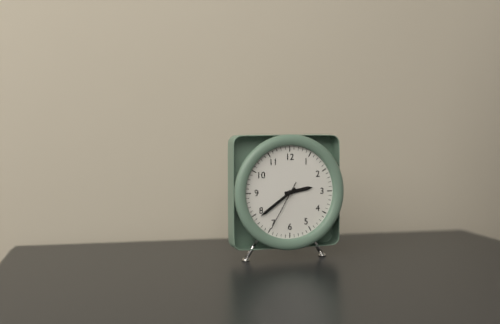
2 h 39 min 35 s
